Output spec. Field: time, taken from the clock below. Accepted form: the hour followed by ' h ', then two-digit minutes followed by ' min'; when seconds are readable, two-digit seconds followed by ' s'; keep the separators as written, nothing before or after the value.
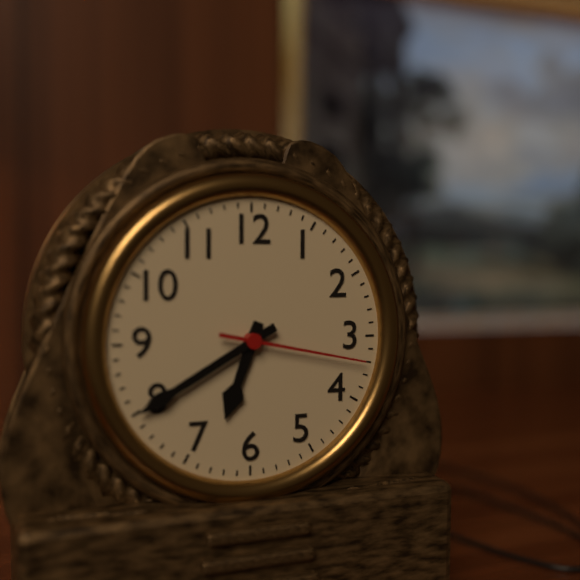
6 h 40 min 17 s
